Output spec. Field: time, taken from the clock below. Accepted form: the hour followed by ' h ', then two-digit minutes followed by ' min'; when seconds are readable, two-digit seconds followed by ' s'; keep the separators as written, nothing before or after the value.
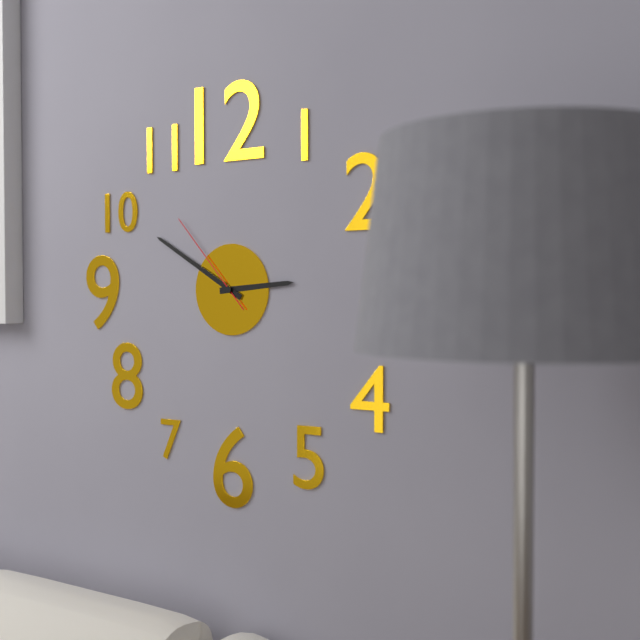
2 h 50 min 53 s
